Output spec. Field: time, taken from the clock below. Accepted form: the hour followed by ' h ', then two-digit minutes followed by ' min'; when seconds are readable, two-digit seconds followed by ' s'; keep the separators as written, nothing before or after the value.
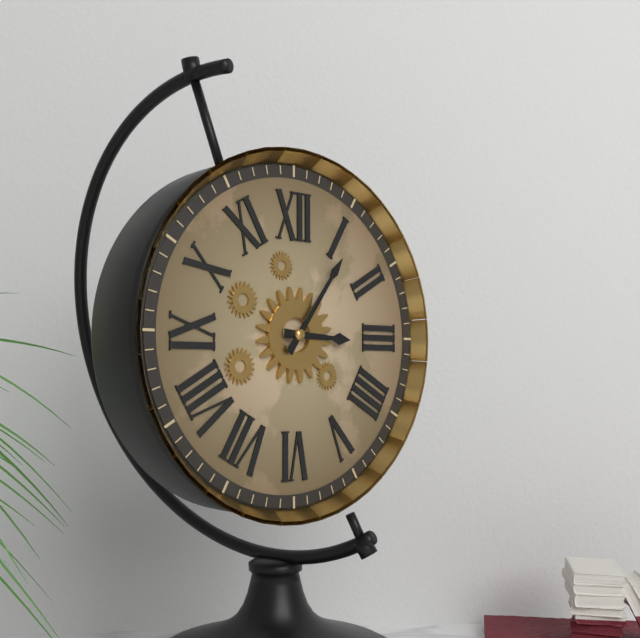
3 h 06 min
